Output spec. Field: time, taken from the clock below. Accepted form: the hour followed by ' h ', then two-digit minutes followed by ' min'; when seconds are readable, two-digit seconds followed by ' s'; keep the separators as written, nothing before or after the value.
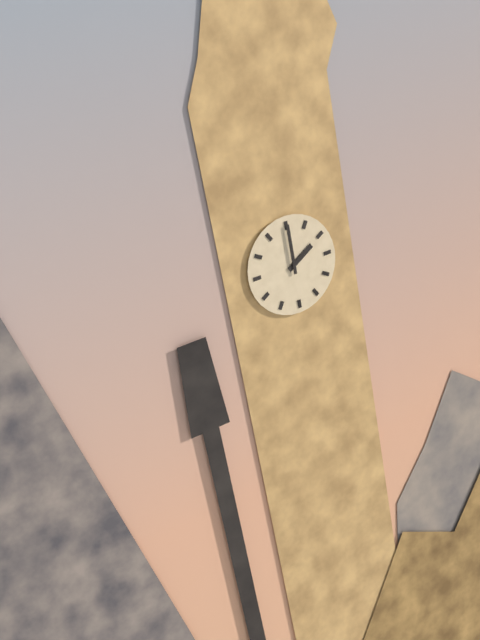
2 h 00 min
